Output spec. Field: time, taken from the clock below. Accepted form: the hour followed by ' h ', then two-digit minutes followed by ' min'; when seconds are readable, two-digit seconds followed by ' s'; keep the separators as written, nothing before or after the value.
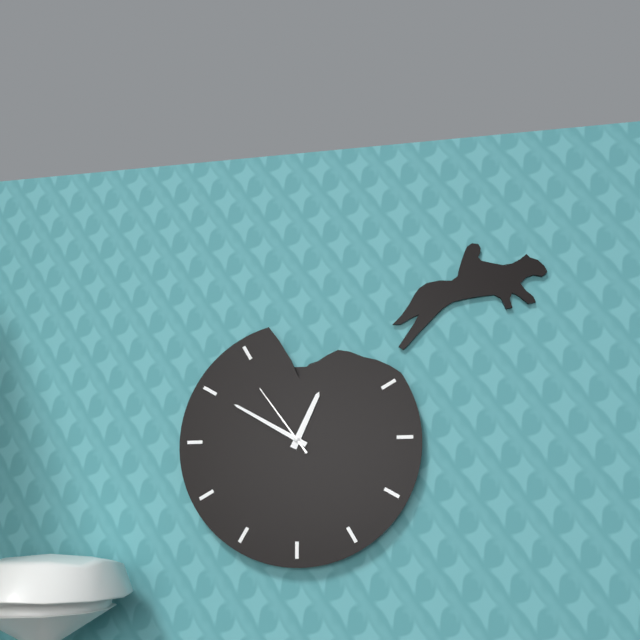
12 h 50 min 54 s
